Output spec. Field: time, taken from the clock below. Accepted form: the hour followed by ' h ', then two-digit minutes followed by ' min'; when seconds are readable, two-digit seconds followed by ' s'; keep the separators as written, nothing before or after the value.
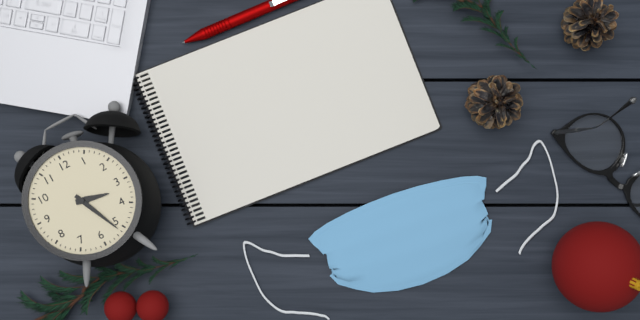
3 h 26 min
